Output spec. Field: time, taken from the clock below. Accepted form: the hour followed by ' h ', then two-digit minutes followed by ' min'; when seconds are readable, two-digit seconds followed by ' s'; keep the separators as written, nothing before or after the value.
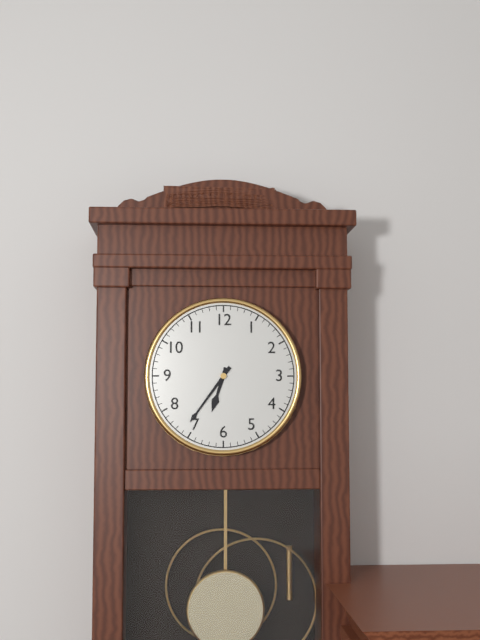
6 h 36 min
